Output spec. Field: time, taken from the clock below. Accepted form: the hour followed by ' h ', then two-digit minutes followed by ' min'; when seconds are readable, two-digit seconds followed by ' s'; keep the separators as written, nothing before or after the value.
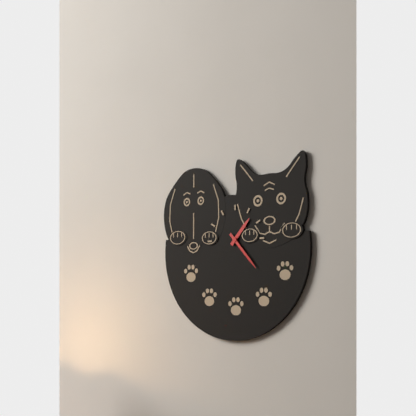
1 h 23 min
